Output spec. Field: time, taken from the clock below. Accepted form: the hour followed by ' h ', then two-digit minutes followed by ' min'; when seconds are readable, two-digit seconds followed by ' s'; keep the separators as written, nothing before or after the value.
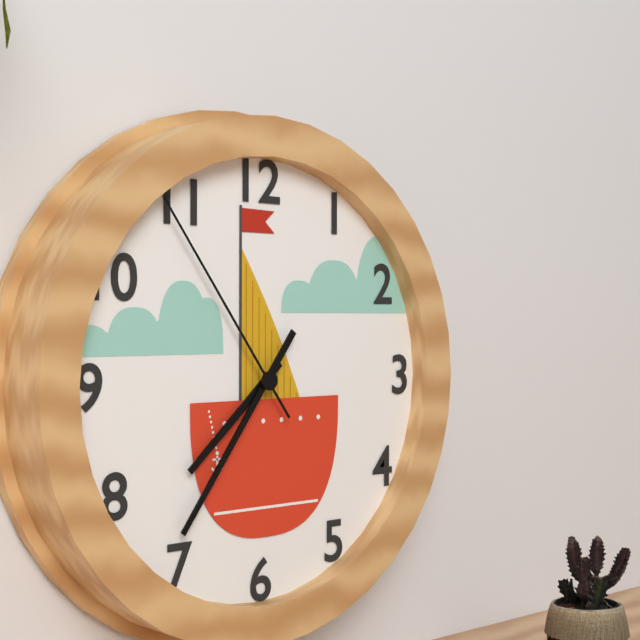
7 h 36 min 54 s
